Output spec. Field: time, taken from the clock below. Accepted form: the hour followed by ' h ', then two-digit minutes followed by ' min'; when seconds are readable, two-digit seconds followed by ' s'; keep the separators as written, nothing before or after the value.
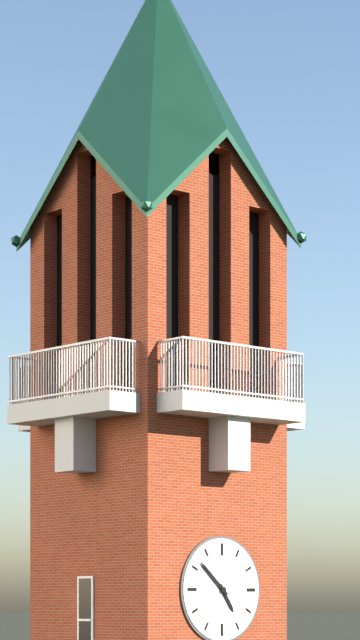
4 h 52 min
